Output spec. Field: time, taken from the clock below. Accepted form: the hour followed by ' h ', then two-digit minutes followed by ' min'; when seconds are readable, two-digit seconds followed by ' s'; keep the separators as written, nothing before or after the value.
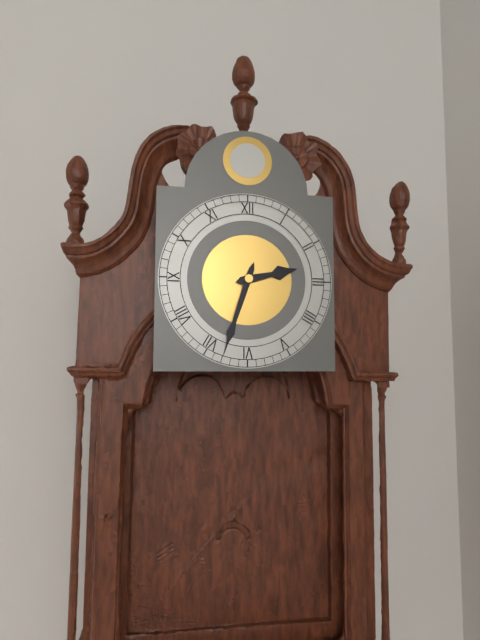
2 h 33 min
